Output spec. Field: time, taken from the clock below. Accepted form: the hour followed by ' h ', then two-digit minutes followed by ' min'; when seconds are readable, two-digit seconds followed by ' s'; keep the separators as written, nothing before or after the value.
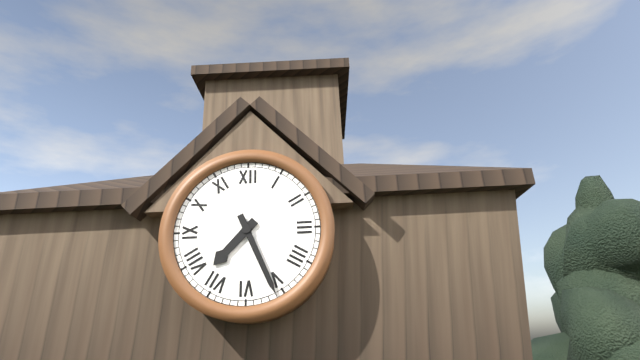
7 h 26 min
